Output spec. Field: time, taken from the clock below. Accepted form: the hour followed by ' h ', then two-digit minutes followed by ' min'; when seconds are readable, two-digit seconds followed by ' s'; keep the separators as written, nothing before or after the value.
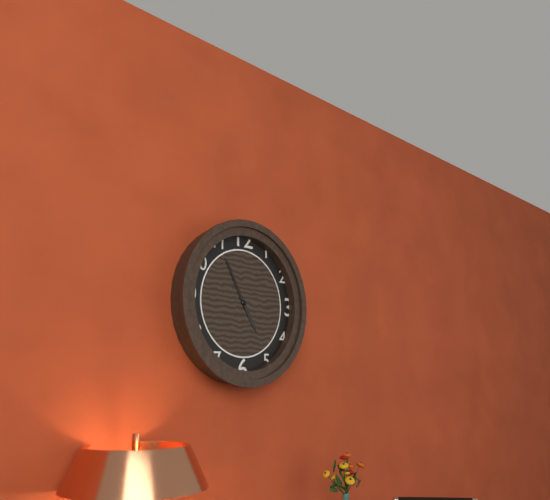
4 h 55 min
